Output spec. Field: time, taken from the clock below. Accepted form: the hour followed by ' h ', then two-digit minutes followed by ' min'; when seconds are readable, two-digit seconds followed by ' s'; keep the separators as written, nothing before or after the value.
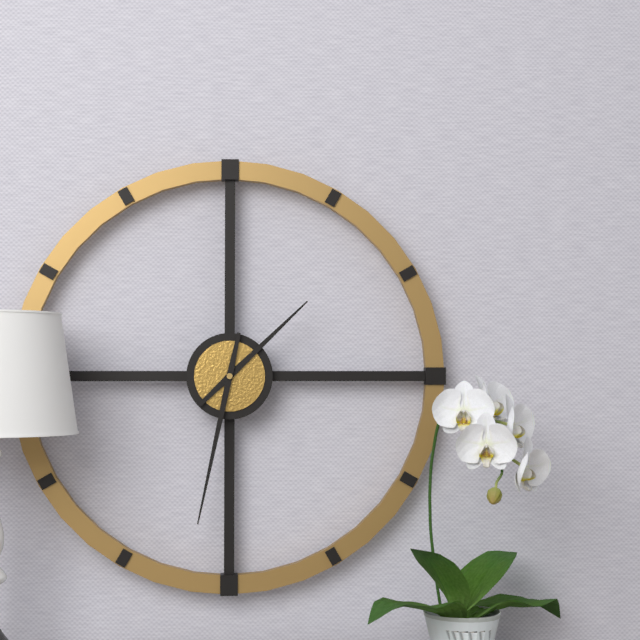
1 h 32 min
